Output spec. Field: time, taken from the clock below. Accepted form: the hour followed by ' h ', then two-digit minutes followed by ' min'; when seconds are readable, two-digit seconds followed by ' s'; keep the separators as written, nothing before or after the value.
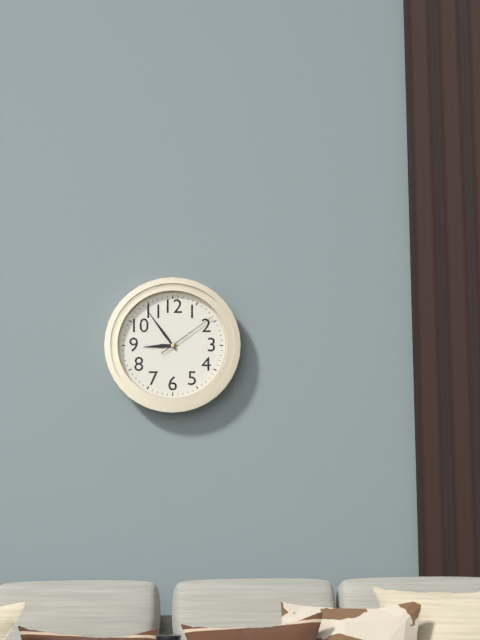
8 h 54 min 09 s
